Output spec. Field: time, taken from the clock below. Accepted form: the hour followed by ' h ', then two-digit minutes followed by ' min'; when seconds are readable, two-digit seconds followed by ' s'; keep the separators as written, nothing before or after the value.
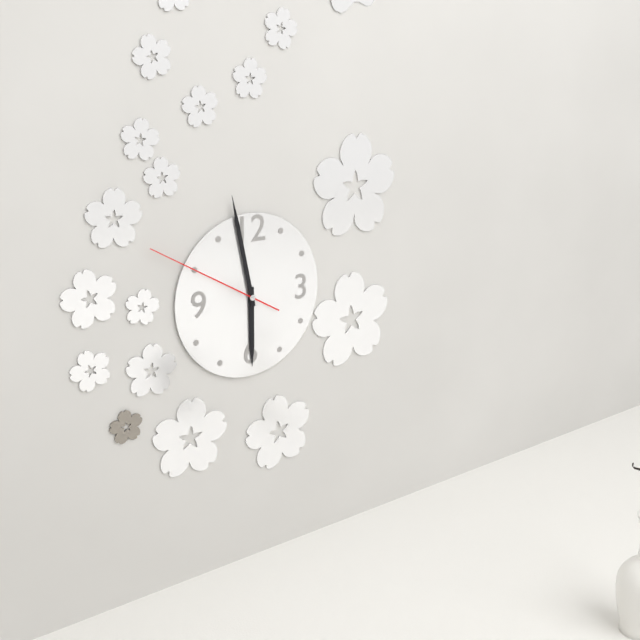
5 h 58 min 50 s
